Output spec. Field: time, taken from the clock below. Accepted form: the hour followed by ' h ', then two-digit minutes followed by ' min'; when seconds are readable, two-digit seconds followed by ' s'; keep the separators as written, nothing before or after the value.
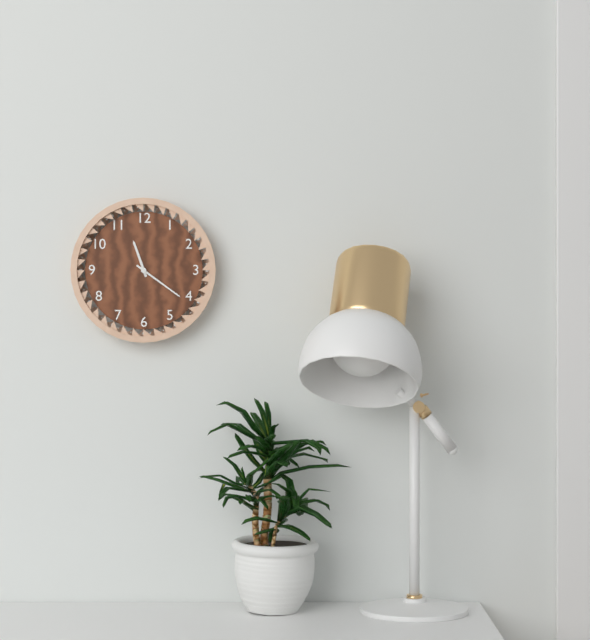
11 h 21 min
